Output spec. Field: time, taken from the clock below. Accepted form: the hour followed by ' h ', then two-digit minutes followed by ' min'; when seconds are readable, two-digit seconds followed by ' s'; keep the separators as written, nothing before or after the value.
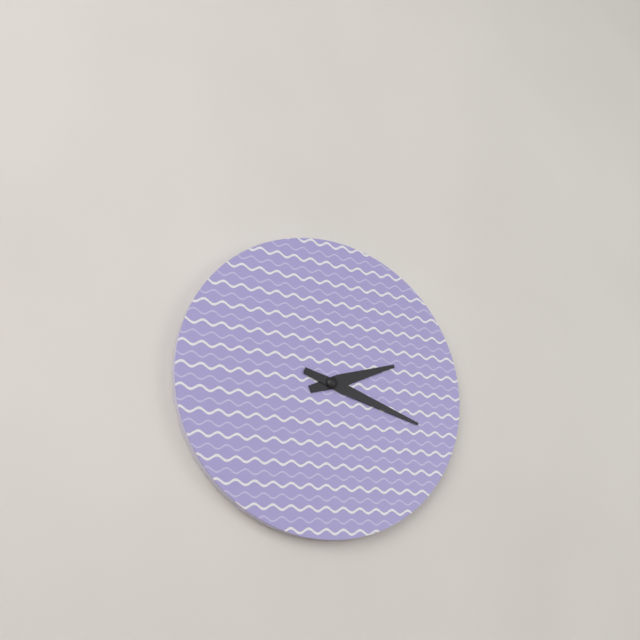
2 h 18 min
